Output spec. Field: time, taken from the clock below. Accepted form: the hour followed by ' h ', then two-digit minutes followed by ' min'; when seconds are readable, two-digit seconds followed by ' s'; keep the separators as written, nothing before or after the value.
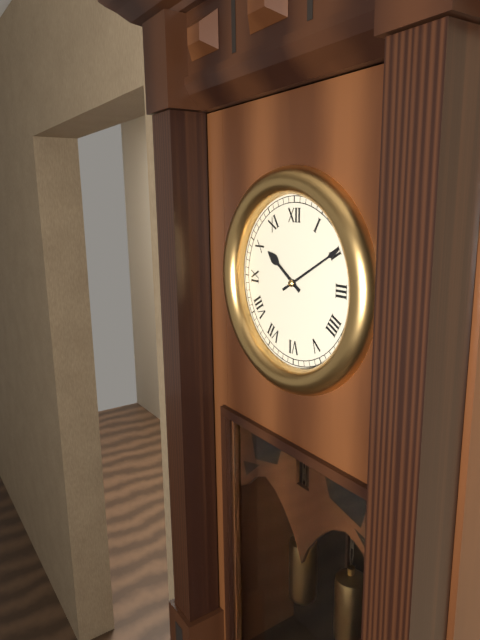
10 h 10 min
